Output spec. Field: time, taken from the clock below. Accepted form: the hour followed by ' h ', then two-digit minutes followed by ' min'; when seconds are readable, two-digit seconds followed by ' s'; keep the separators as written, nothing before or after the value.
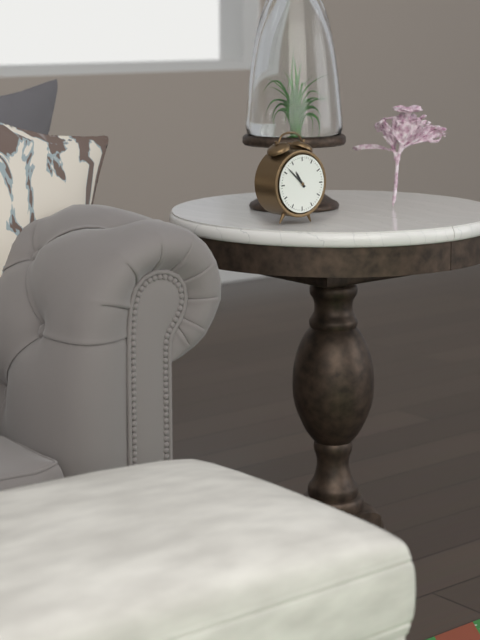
10 h 52 min
